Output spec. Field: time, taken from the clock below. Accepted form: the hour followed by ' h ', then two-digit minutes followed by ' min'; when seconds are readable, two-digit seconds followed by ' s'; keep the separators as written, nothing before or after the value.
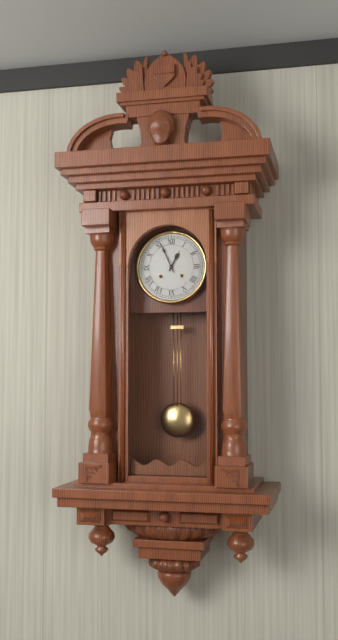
12 h 56 min
